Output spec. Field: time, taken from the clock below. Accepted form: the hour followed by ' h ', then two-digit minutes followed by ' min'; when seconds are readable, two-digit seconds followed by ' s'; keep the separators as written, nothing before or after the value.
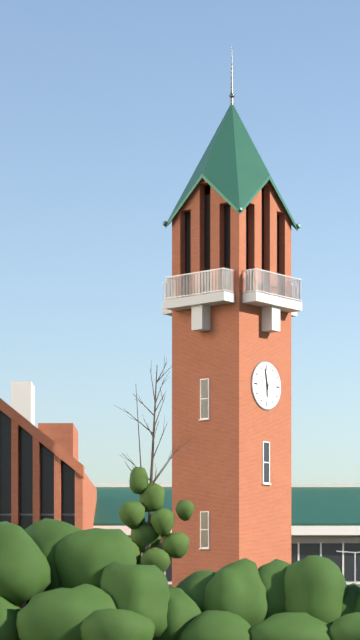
5 h 58 min
